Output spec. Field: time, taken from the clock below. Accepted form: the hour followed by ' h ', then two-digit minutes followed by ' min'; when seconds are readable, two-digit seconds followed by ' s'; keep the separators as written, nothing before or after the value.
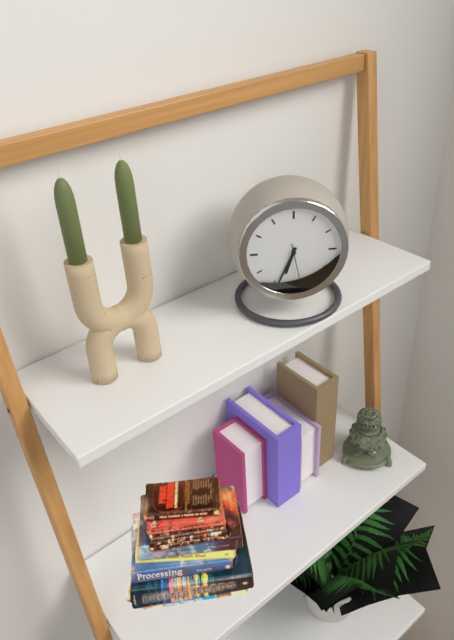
6 h 34 min
